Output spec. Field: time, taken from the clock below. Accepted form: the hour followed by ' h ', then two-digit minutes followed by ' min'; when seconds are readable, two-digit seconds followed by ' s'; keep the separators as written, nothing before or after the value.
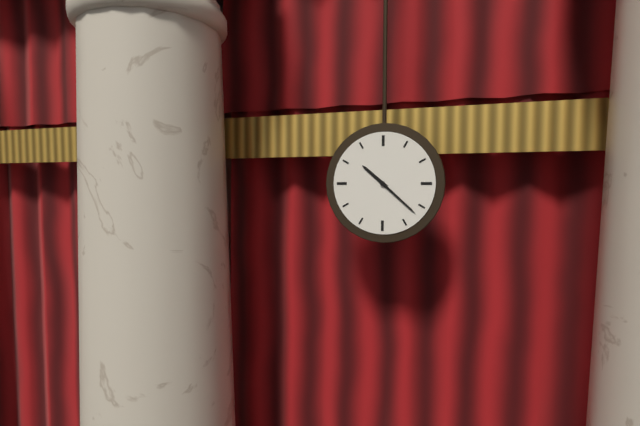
10 h 22 min
